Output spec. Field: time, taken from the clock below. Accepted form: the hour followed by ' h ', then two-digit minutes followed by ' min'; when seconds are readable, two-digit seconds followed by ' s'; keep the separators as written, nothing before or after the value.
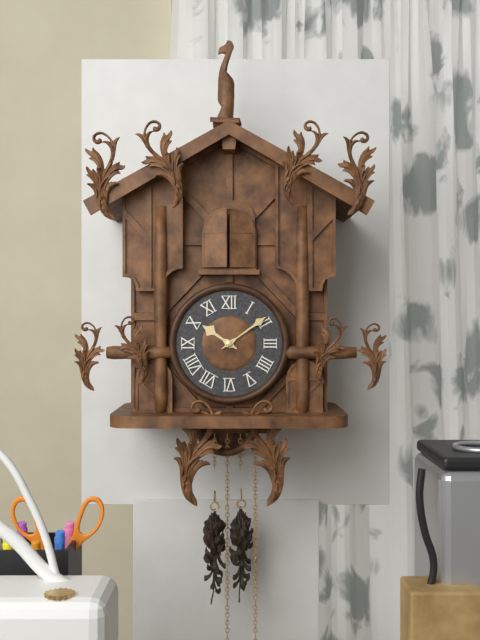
10 h 09 min
